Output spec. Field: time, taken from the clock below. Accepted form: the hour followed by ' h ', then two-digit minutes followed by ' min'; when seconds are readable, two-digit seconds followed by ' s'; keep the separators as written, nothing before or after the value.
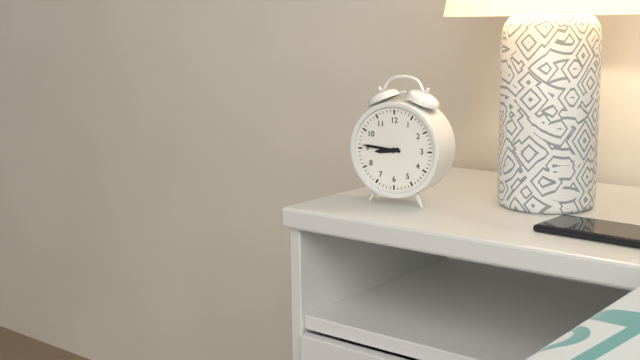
8 h 46 min
